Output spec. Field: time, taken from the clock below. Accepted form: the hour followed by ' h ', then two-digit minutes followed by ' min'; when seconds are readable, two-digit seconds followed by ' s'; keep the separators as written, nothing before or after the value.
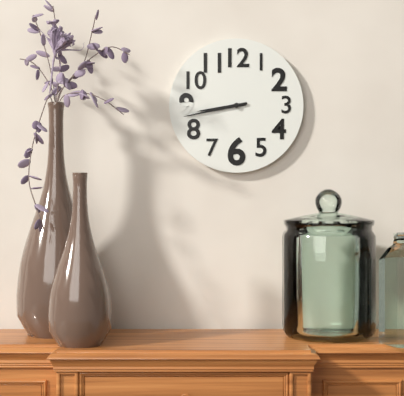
8 h 43 min
